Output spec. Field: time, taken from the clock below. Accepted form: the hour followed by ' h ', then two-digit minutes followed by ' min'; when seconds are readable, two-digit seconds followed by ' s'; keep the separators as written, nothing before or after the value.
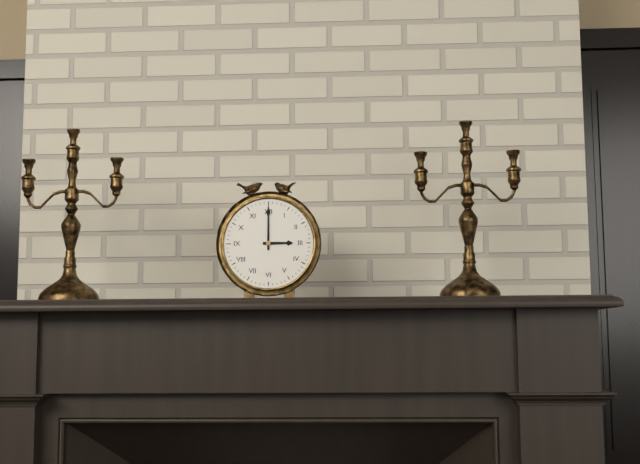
3 h 00 min
